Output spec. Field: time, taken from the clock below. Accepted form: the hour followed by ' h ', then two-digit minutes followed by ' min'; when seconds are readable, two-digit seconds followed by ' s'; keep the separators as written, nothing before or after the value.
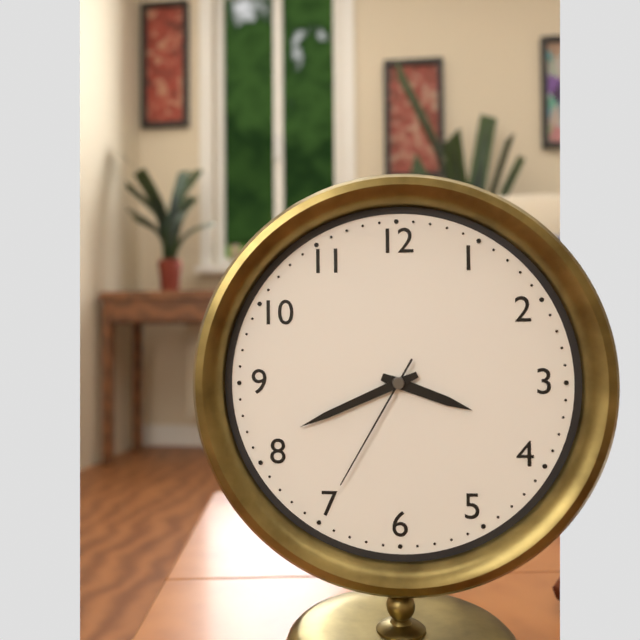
3 h 41 min 35 s
